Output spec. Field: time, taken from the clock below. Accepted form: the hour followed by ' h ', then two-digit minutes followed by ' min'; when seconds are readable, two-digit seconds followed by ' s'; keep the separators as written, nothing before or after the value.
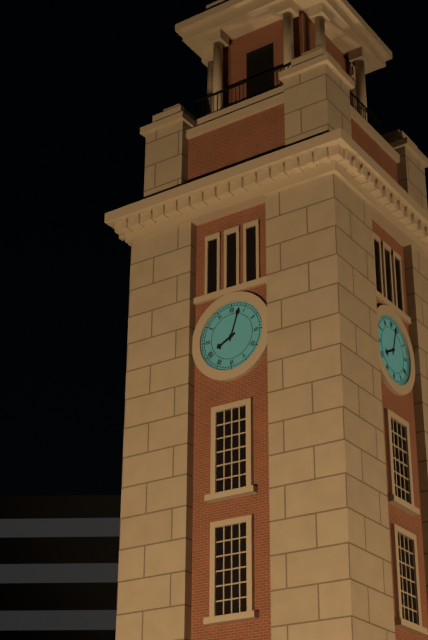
8 h 03 min
